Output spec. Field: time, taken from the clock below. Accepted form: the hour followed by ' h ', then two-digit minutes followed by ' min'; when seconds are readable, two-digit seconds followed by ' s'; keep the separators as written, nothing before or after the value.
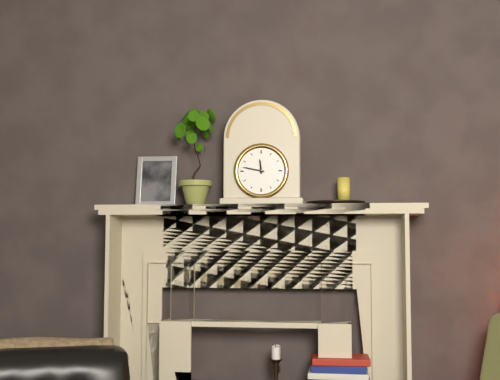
11 h 47 min
